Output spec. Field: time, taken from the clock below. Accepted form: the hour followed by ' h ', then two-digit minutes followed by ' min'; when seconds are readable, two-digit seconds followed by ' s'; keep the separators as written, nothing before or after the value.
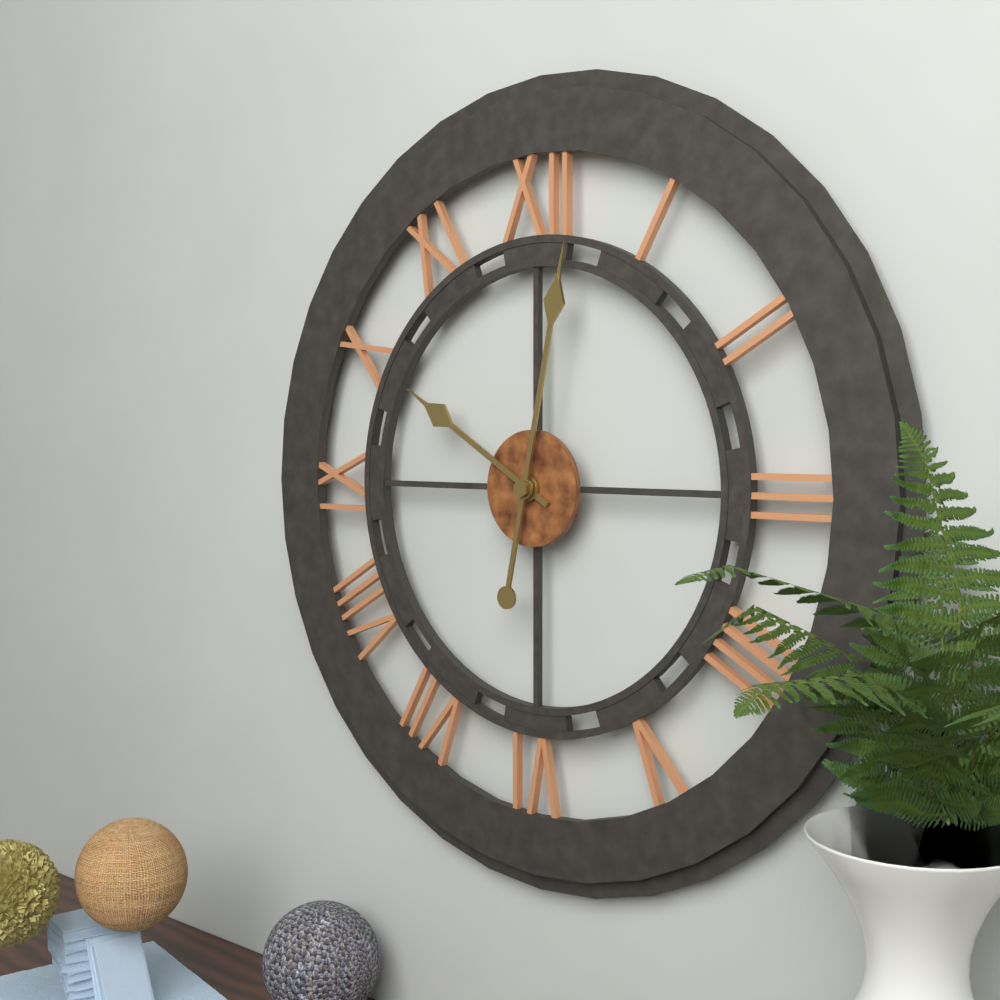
10 h 02 min
